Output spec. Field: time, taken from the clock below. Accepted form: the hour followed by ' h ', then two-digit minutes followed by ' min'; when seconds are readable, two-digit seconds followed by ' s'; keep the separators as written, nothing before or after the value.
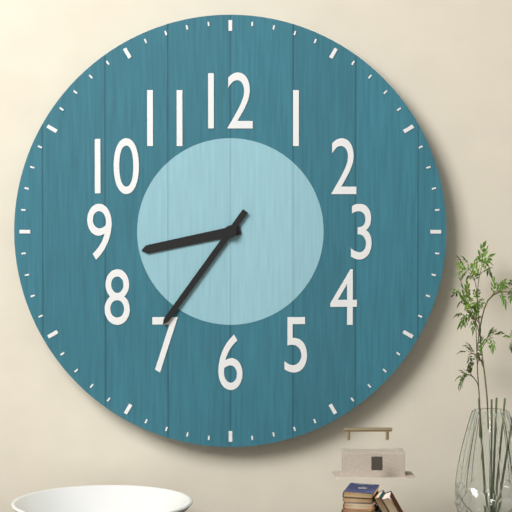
8 h 36 min
